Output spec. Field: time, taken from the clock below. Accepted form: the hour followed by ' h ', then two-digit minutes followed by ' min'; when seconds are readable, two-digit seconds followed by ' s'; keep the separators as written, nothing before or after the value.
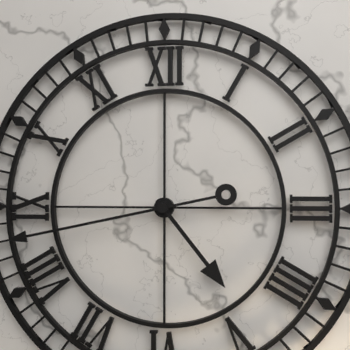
4 h 43 min
